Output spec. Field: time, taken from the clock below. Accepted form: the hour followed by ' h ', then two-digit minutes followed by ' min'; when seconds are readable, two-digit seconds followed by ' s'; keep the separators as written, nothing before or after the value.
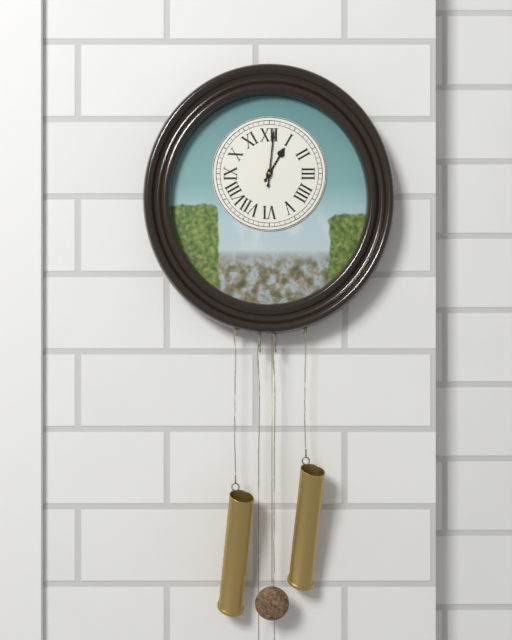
1 h 01 min
